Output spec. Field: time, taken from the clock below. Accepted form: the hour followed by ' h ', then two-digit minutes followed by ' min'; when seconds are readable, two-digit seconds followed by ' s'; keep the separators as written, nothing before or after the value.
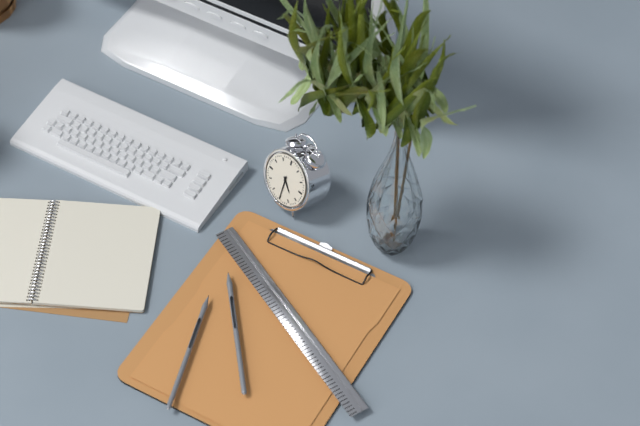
4 h 30 min
